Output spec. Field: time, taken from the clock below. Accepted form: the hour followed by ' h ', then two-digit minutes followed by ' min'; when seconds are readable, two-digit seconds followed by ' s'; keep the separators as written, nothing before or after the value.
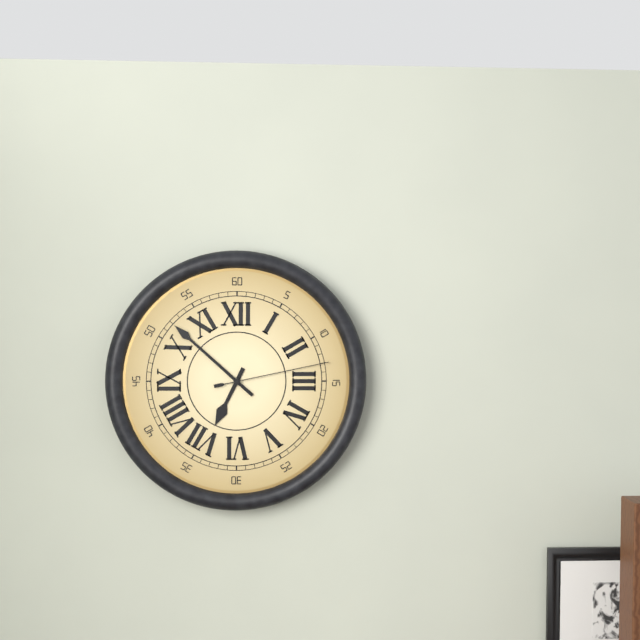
6 h 52 min 13 s
